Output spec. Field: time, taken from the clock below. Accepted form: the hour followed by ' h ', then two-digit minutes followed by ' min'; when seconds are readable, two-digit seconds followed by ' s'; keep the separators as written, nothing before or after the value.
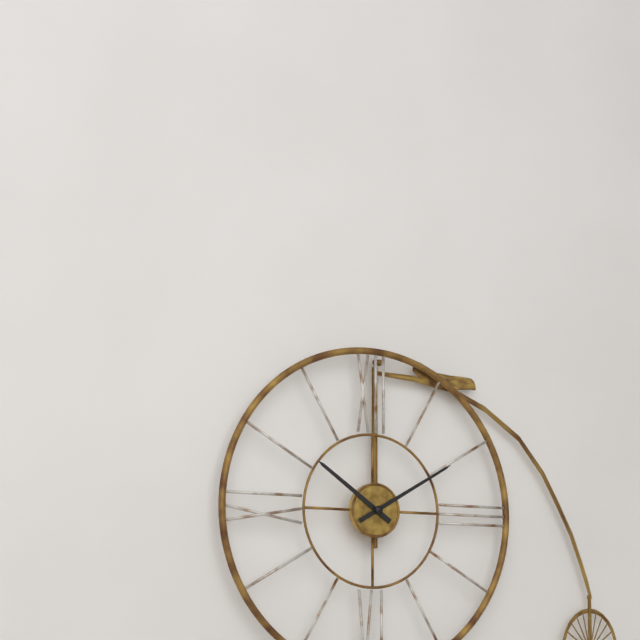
10 h 10 min
